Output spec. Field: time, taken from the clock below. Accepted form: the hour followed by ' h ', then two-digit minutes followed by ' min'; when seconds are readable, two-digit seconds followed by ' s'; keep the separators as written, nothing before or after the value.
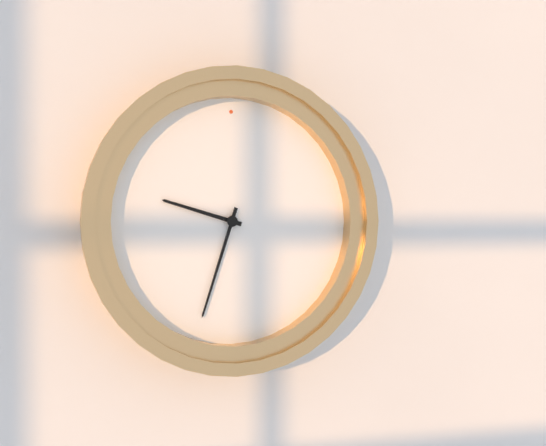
9 h 33 min
